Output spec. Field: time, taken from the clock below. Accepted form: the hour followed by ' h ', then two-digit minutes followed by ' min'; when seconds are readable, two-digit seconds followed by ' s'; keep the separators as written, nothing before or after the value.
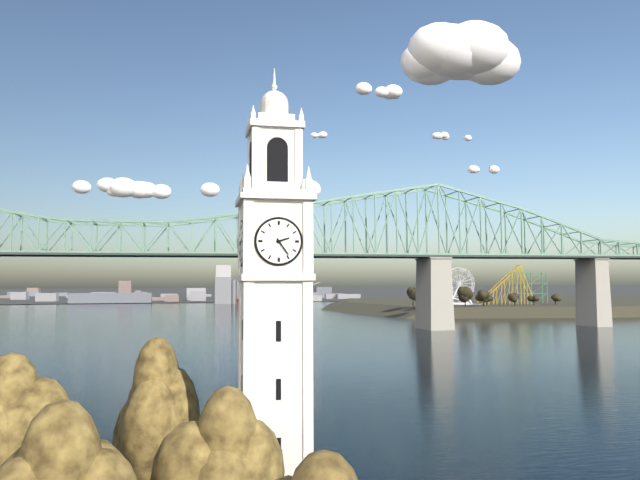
2 h 24 min
